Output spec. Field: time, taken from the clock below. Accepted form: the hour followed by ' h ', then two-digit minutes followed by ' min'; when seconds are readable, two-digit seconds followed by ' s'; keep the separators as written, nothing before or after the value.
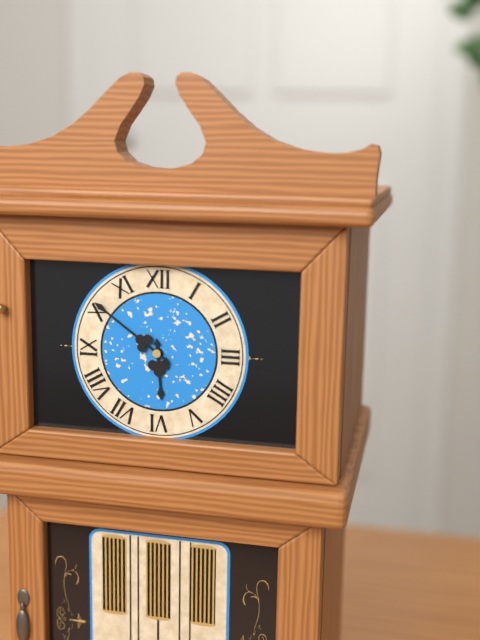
5 h 51 min
